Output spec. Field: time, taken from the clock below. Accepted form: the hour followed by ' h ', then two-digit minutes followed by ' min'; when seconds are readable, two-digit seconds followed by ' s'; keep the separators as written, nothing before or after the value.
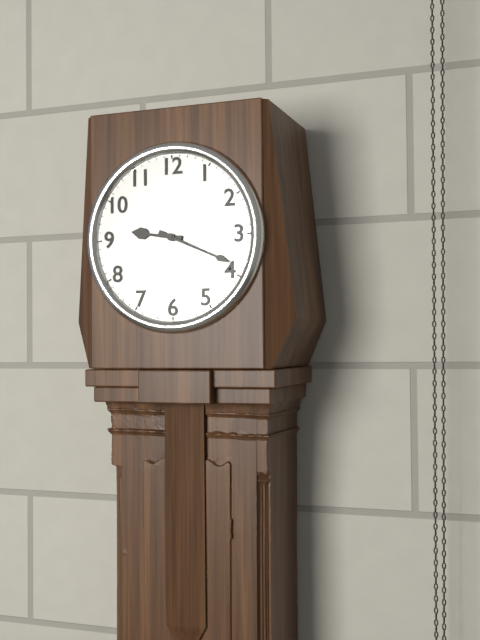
9 h 19 min
